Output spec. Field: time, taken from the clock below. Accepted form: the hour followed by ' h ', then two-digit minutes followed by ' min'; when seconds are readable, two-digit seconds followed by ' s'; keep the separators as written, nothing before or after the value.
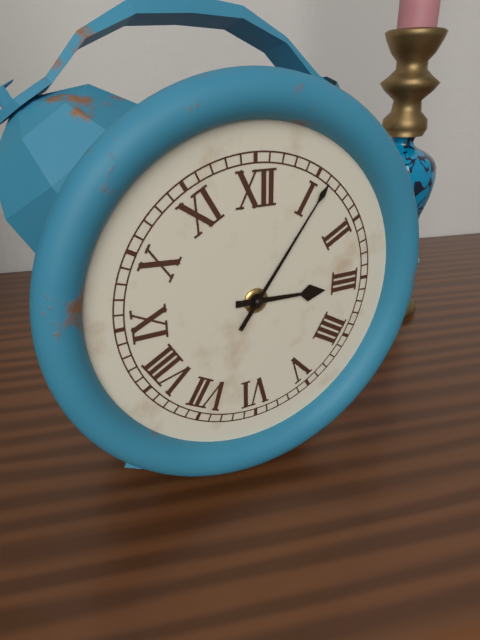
3 h 06 min
